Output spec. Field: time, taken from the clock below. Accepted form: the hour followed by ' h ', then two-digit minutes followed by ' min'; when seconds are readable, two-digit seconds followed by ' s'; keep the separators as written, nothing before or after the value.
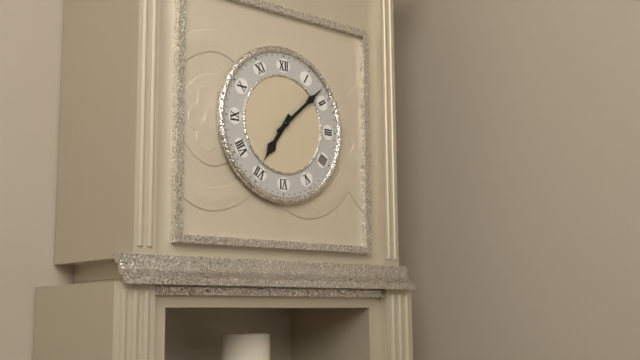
7 h 08 min
